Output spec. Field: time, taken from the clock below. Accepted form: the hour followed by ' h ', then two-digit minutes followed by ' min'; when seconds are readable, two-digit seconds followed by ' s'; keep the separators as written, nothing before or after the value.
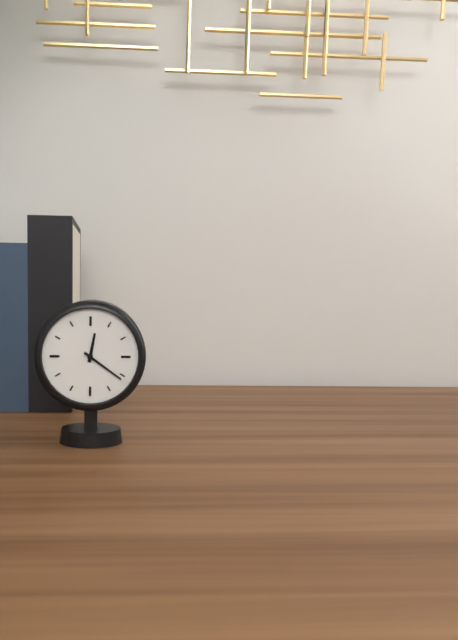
12 h 21 min
